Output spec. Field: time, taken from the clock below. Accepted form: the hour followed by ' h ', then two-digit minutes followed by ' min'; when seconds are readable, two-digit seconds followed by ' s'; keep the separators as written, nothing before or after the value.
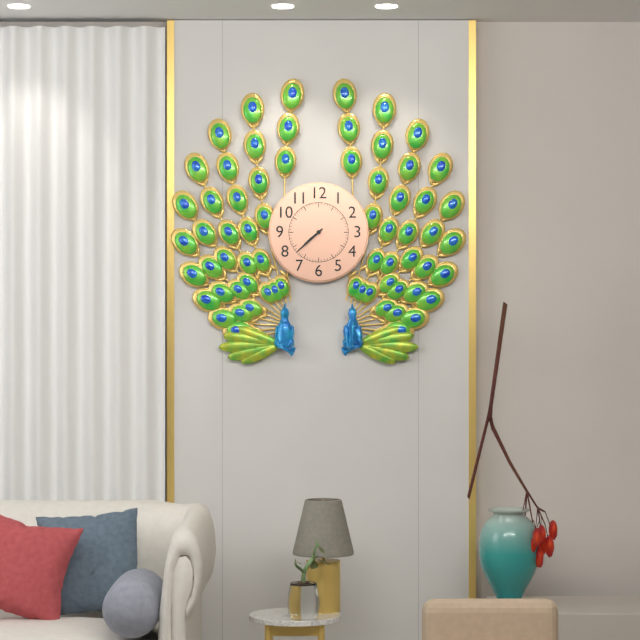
7 h 38 min
